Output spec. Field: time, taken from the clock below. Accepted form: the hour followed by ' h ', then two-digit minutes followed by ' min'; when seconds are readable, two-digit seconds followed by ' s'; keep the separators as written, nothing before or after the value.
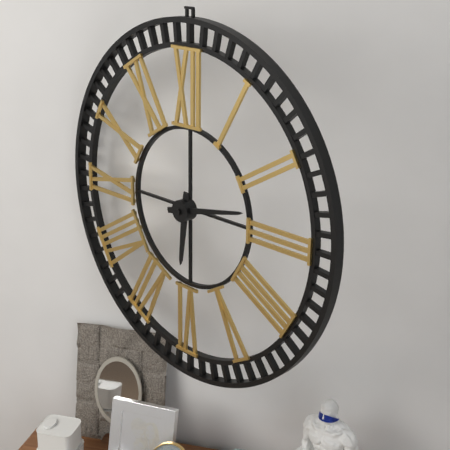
6 h 13 min
